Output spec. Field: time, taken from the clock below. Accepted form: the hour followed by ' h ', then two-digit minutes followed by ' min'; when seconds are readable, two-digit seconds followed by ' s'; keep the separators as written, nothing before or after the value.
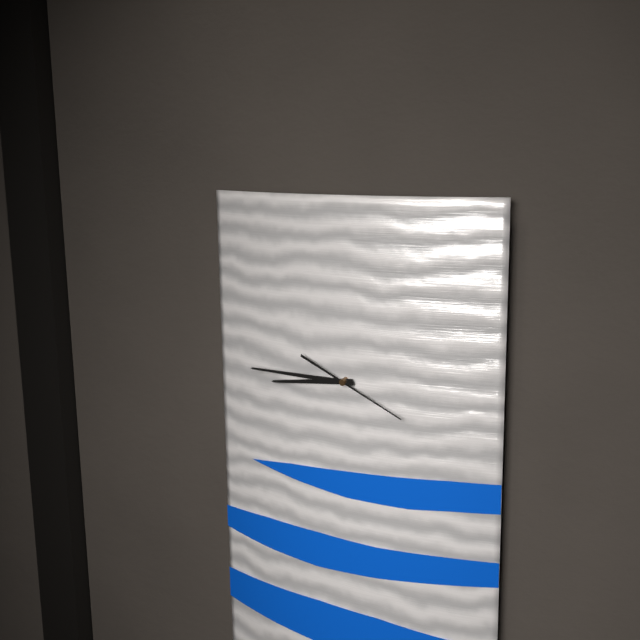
8 h 45 min 19 s
